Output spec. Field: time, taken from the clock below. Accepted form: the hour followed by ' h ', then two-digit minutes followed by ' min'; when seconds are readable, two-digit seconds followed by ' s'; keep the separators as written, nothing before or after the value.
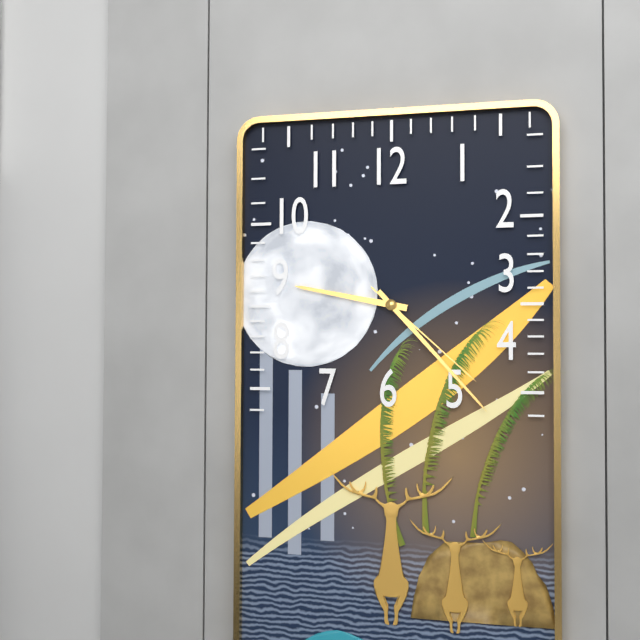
9 h 23 min 22 s
